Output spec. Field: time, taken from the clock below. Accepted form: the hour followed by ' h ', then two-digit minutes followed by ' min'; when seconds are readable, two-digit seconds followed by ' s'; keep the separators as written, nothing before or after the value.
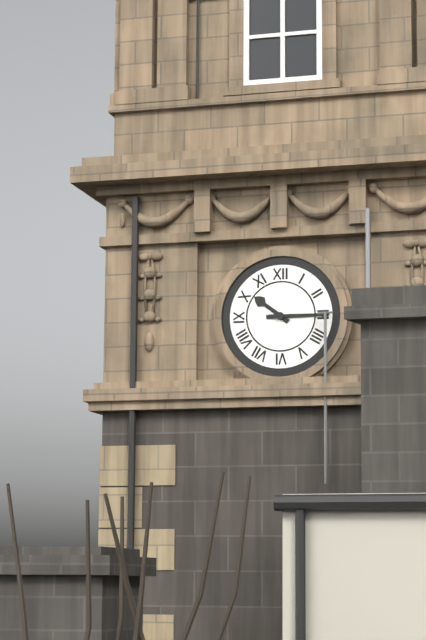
10 h 15 min
